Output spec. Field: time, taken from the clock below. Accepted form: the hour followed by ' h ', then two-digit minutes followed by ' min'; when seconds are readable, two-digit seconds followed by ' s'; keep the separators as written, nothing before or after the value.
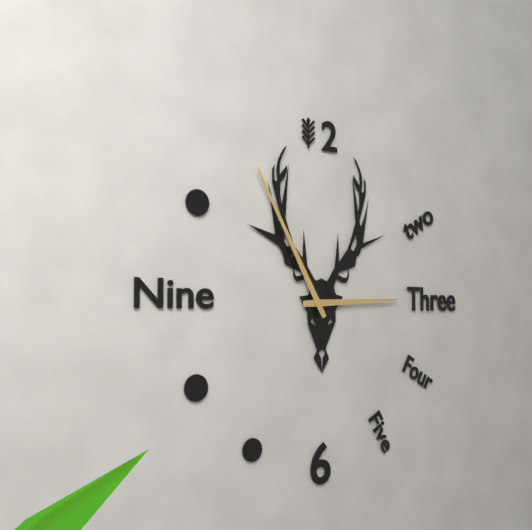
2 h 55 min
